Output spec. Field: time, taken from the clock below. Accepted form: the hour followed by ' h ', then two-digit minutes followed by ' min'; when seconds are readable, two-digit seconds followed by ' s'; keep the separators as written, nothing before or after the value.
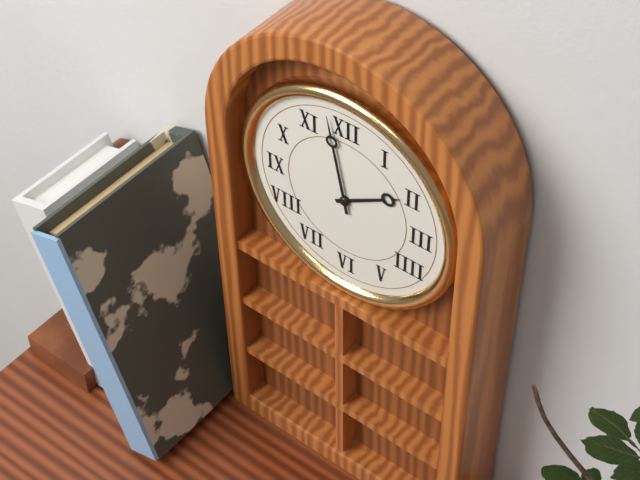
1 h 58 min
